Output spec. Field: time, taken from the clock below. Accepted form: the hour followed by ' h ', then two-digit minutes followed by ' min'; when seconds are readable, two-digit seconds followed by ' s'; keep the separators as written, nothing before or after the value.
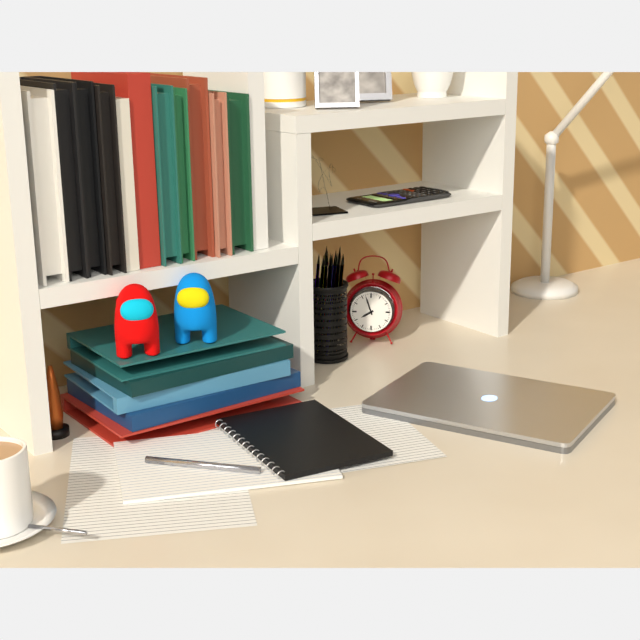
7 h 57 min
